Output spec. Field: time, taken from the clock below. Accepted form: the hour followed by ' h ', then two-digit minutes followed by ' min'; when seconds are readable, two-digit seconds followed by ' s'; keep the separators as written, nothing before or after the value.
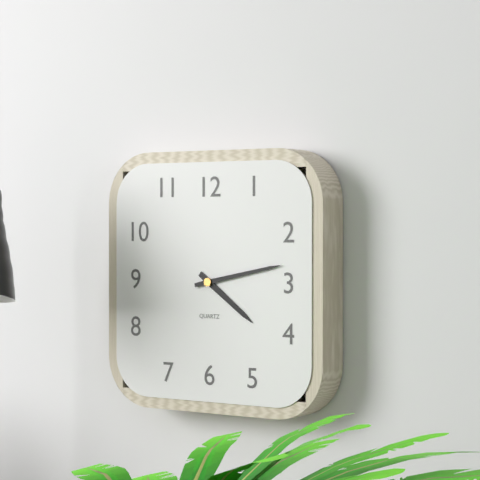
4 h 13 min
